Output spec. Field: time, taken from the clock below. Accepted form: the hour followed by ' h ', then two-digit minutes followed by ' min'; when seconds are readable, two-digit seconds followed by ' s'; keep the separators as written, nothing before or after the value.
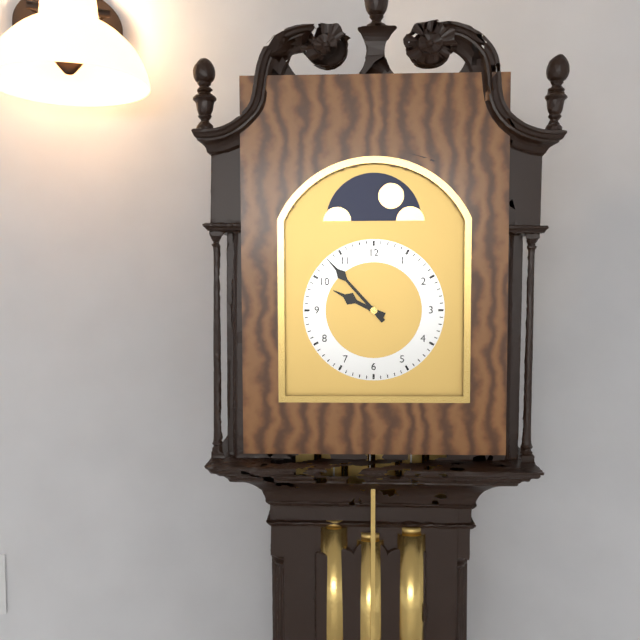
9 h 53 min
